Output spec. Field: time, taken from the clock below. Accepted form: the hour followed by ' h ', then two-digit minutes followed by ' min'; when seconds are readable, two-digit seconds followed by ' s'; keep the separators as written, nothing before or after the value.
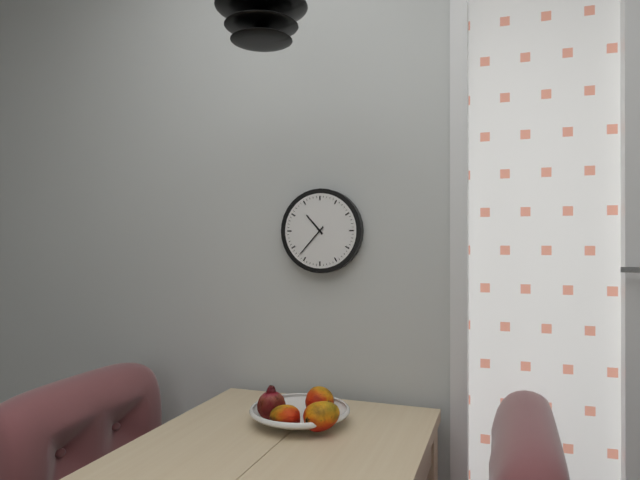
10 h 37 min
